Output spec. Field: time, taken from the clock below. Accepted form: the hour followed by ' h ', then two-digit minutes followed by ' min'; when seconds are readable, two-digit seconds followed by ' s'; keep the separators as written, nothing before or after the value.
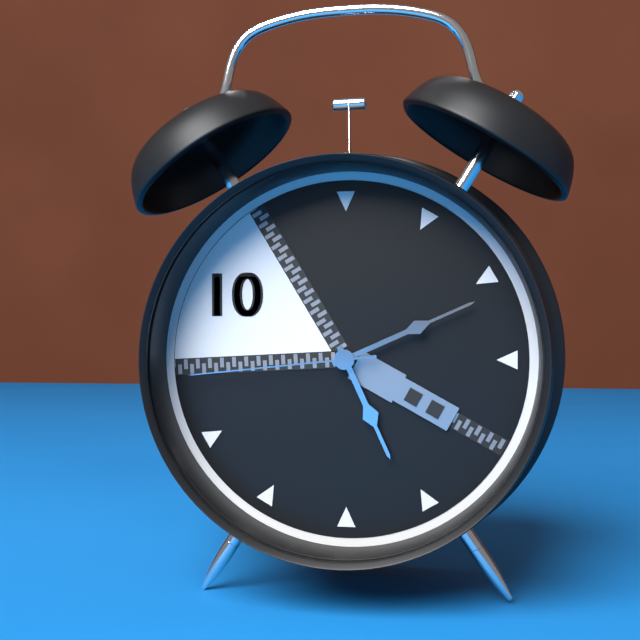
5 h 11 min 44 s
